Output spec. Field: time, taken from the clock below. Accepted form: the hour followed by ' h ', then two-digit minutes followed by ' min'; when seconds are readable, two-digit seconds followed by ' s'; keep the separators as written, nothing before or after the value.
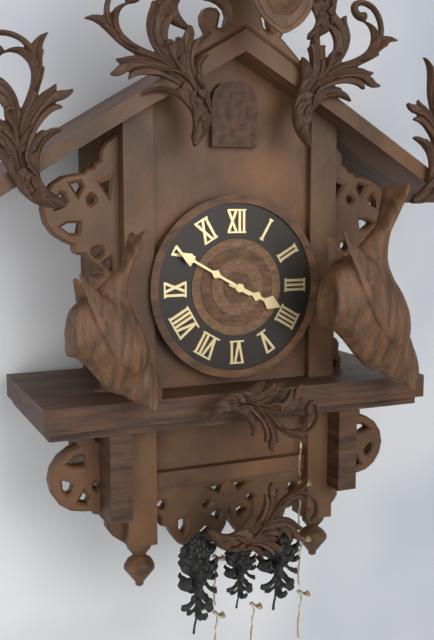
3 h 50 min
